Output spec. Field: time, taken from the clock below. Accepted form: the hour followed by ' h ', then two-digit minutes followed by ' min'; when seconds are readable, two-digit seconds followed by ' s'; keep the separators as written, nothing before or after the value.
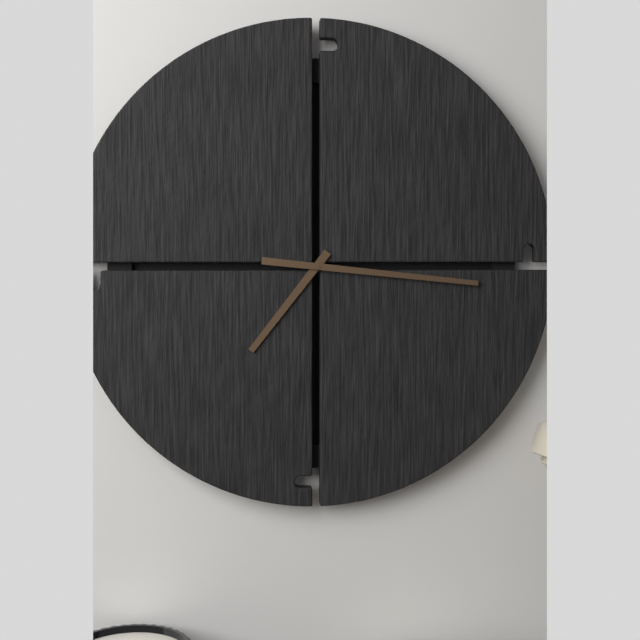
7 h 16 min
